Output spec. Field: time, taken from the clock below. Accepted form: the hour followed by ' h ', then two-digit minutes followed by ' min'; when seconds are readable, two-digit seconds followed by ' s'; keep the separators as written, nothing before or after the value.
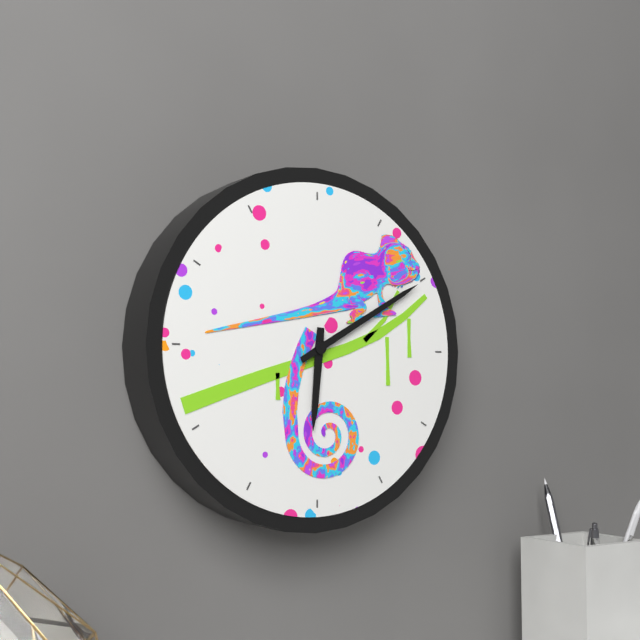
6 h 10 min
